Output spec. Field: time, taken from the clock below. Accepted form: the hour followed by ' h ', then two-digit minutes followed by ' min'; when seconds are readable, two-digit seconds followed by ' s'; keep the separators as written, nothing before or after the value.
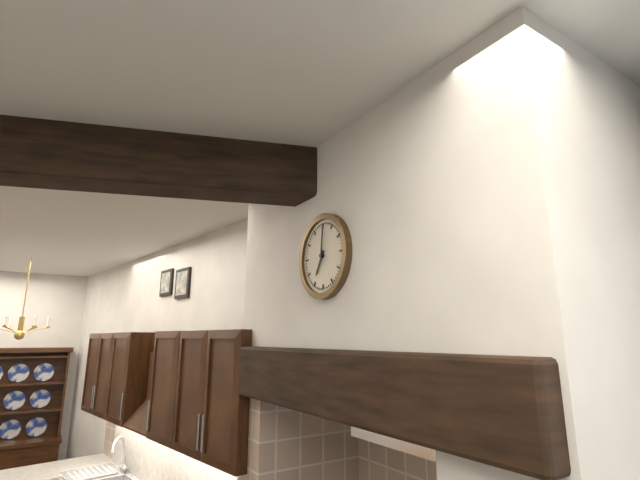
7 h 01 min
